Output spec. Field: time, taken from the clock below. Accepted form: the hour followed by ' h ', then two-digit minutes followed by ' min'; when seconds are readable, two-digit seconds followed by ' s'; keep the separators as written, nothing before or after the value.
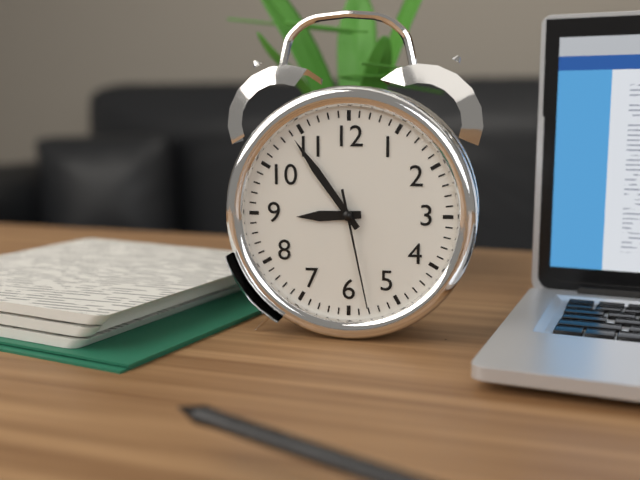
8 h 54 min 28 s
